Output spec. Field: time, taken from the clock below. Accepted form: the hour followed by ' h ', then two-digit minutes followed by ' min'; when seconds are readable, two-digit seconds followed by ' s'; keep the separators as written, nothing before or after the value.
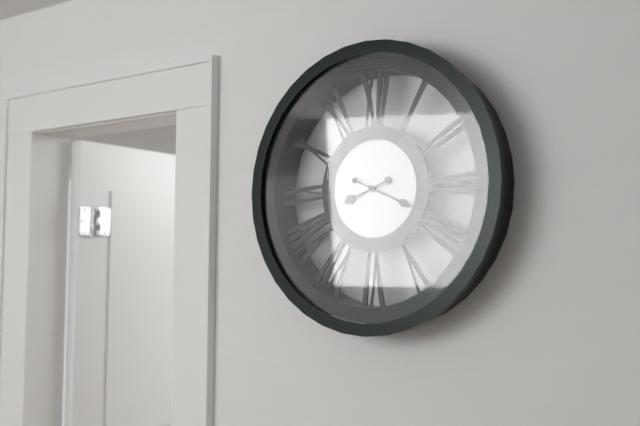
8 h 19 min
